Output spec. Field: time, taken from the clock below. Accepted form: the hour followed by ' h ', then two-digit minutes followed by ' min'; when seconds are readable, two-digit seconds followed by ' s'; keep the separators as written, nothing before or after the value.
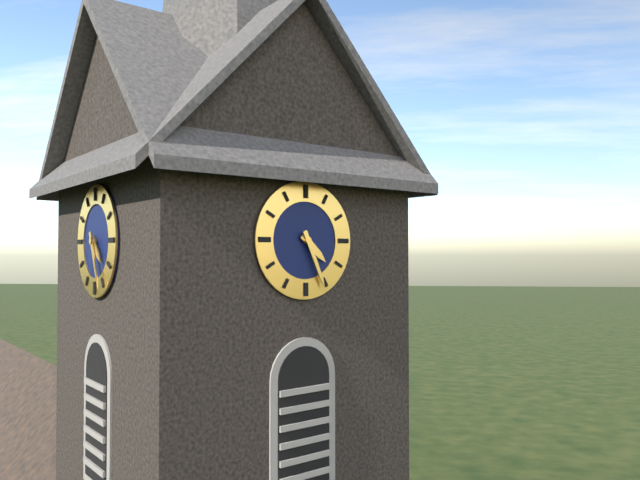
4 h 26 min
